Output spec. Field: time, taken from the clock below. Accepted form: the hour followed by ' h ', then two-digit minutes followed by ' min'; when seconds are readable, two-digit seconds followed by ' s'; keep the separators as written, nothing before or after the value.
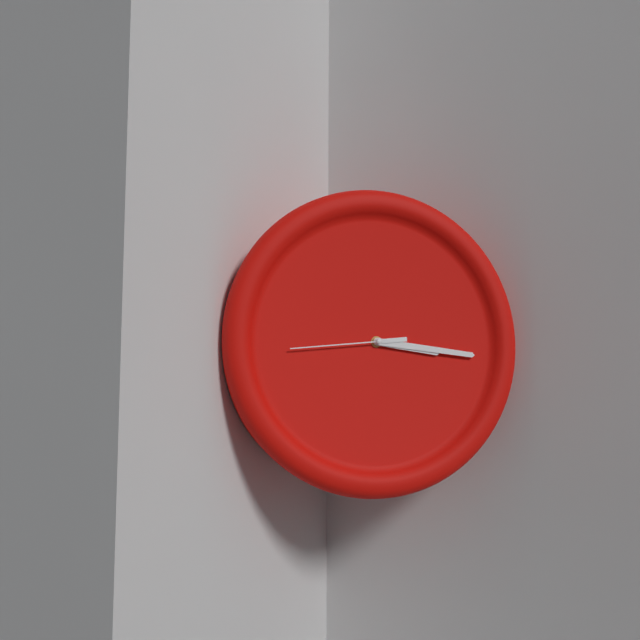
3 h 16 min 44 s
